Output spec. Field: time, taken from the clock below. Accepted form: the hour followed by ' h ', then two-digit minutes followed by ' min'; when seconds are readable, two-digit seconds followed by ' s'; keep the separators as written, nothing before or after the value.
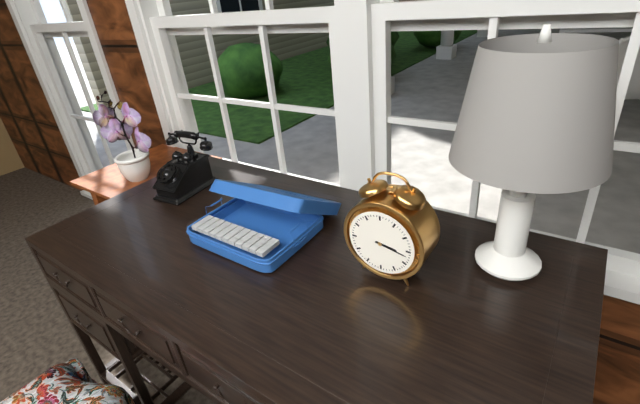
3 h 17 min
